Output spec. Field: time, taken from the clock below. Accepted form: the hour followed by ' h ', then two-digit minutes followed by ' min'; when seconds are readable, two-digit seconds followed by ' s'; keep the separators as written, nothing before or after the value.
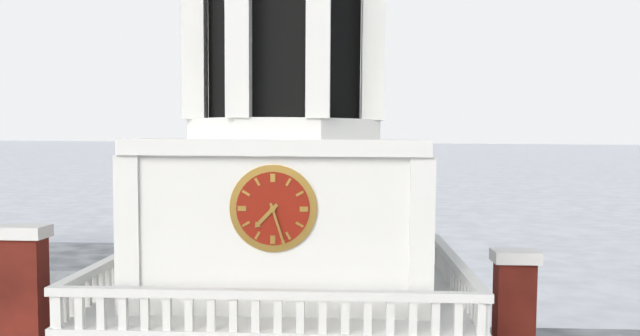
7 h 27 min
